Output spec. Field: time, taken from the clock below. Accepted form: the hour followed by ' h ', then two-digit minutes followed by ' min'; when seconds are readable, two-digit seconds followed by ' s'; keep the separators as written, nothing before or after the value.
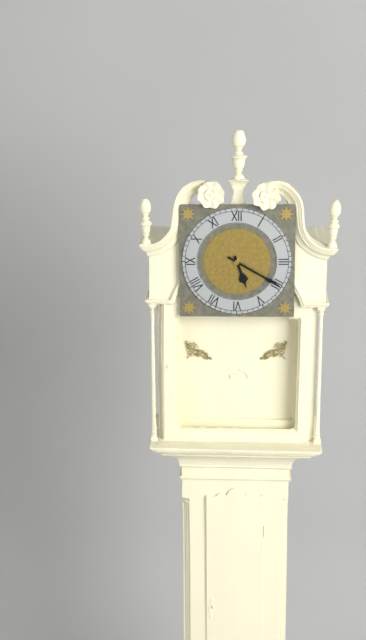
5 h 20 min
